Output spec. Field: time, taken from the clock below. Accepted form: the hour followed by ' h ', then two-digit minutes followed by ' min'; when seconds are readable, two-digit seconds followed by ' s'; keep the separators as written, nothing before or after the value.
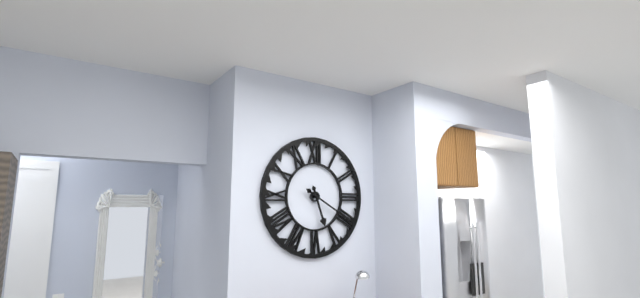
5 h 20 min
